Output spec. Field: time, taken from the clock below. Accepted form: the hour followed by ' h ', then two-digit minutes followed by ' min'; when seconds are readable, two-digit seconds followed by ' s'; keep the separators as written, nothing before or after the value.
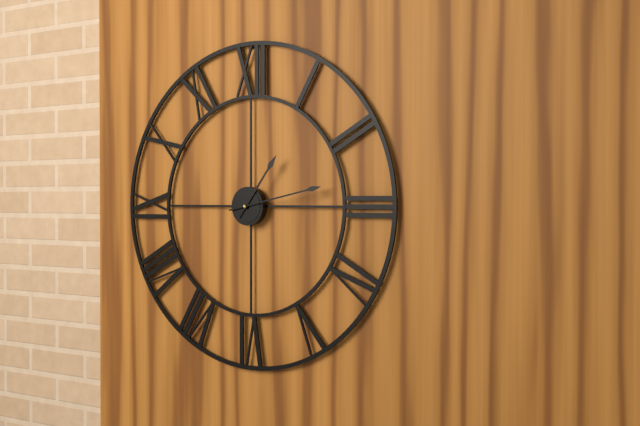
1 h 13 min
